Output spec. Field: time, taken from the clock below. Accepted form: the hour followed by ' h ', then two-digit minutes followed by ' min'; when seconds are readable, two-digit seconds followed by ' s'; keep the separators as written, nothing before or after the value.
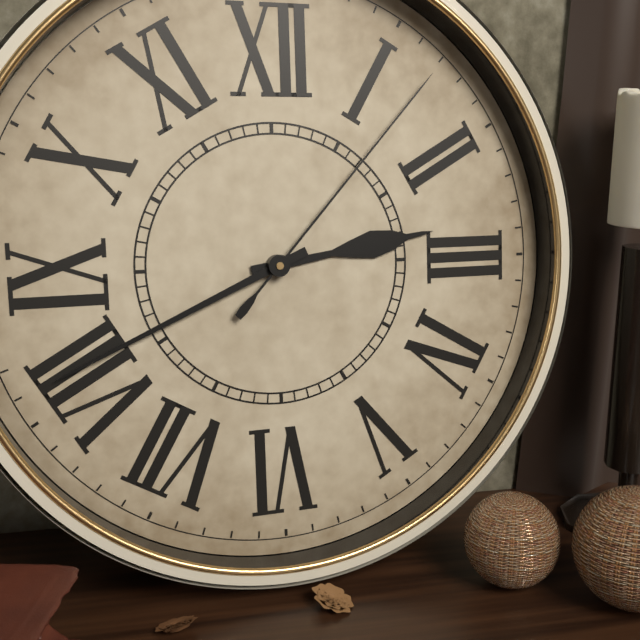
2 h 41 min 07 s
